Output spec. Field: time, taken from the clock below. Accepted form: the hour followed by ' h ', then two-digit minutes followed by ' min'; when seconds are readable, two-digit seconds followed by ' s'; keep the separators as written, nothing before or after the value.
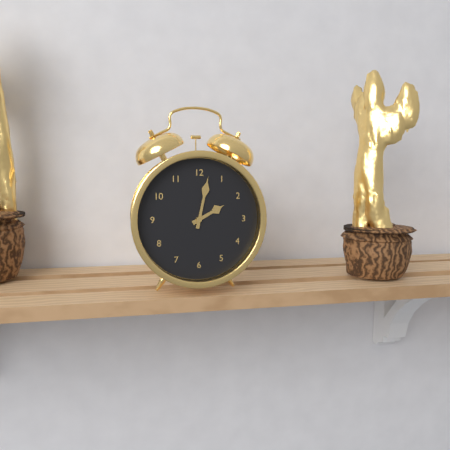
2 h 02 min
